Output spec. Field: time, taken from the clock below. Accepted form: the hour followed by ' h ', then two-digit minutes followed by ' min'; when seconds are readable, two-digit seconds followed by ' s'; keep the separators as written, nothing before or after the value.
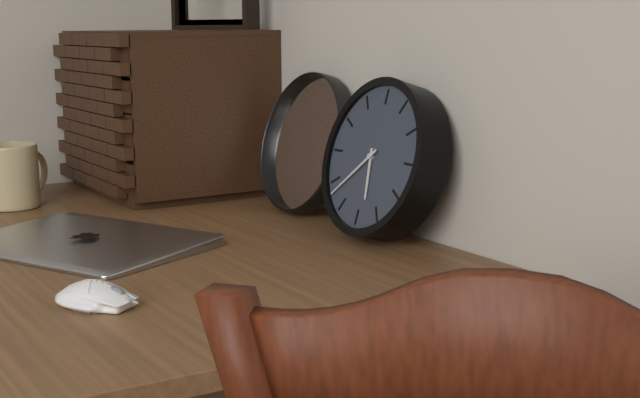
5 h 38 min
